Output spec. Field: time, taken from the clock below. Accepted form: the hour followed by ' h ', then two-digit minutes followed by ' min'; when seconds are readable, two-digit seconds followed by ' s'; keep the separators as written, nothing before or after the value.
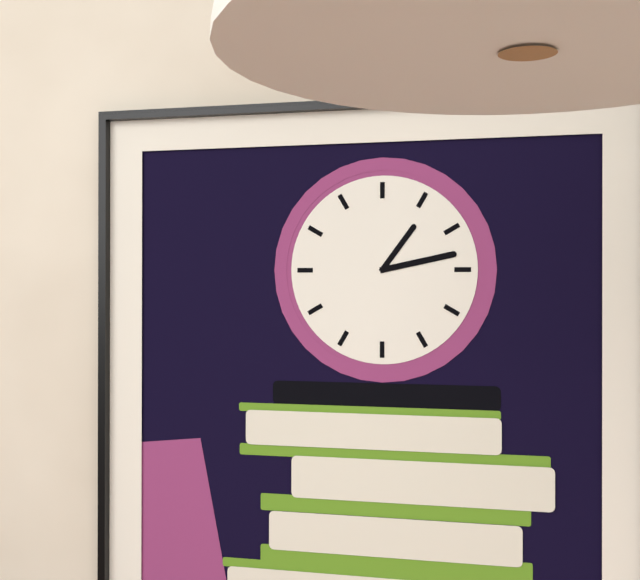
1 h 13 min
